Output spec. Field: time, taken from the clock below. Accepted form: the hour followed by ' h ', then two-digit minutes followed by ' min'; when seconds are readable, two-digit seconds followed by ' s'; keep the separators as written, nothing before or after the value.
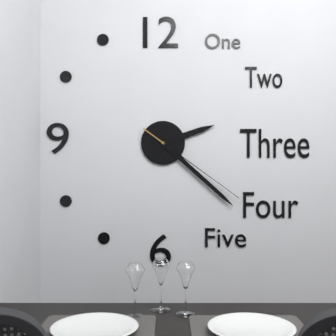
2 h 22 min 21 s
